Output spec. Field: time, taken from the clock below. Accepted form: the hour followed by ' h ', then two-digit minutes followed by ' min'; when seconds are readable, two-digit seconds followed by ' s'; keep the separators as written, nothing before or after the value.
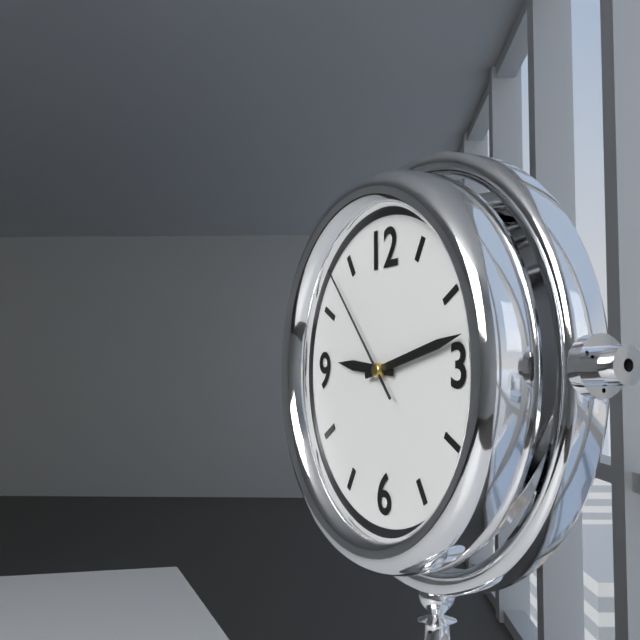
9 h 13 min 53 s
